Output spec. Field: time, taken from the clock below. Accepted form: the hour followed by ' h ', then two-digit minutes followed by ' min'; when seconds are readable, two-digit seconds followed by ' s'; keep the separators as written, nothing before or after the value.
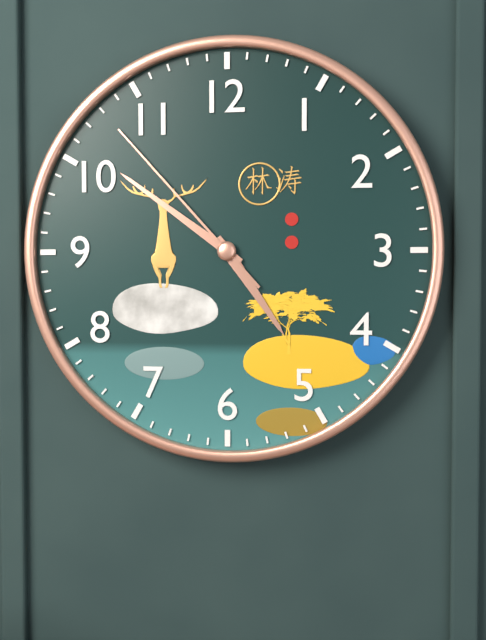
4 h 51 min 53 s
